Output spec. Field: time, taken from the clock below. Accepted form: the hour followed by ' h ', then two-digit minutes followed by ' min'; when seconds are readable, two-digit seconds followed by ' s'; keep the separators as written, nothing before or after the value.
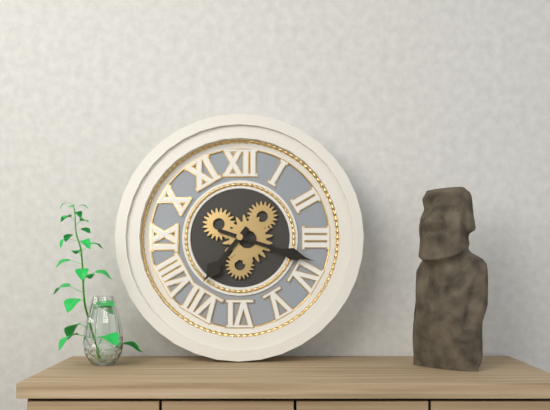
7 h 18 min
